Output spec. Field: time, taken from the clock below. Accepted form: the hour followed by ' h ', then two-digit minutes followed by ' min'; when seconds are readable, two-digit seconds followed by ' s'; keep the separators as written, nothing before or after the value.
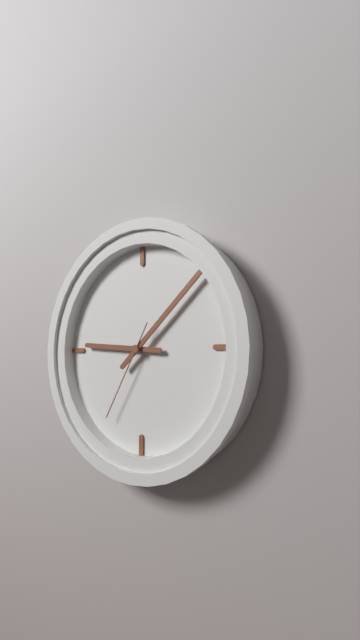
9 h 08 min 35 s
